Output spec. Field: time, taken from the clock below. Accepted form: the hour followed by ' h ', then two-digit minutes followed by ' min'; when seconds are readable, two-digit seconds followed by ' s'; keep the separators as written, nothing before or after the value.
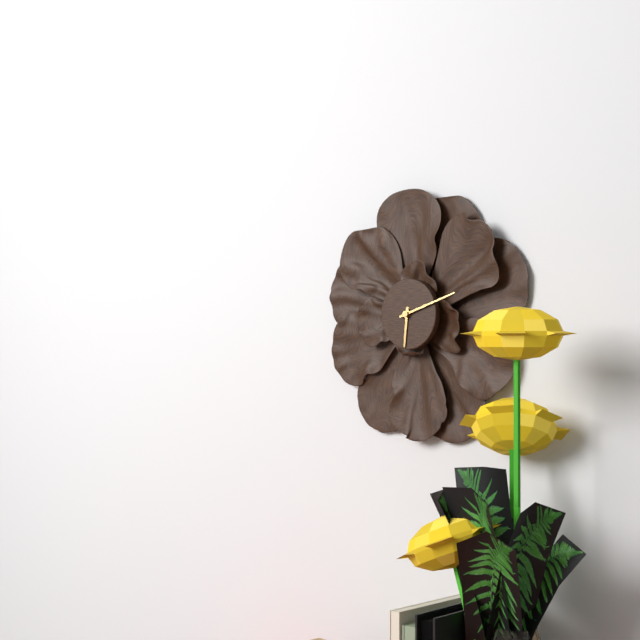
6 h 12 min
